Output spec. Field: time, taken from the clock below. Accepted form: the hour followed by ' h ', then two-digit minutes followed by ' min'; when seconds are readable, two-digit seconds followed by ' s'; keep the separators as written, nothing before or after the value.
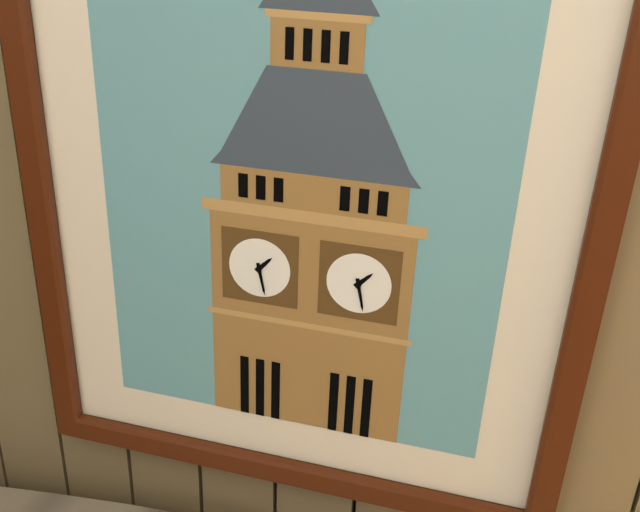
1 h 28 min
